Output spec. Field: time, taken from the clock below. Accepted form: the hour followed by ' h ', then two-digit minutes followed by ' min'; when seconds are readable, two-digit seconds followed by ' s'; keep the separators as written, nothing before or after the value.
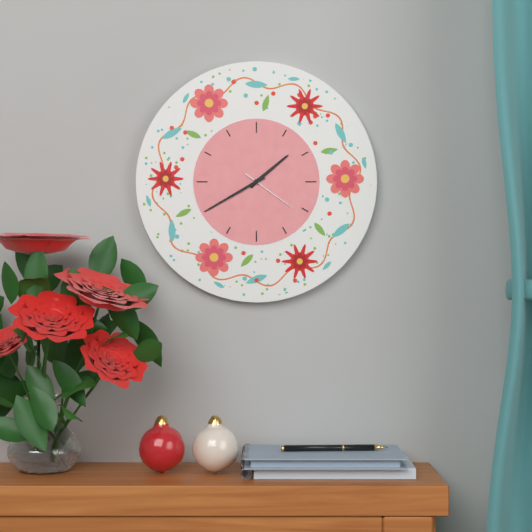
1 h 40 min 21 s
